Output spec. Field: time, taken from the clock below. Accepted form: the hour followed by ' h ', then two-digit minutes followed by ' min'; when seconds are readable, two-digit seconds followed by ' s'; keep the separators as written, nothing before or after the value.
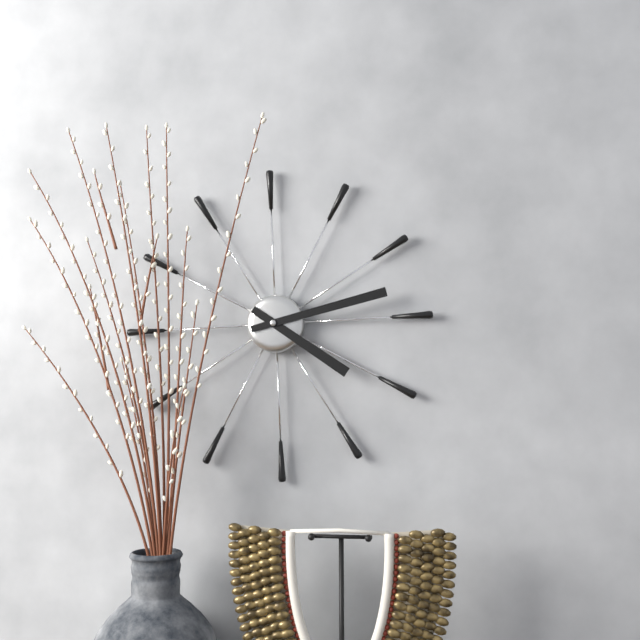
4 h 13 min
